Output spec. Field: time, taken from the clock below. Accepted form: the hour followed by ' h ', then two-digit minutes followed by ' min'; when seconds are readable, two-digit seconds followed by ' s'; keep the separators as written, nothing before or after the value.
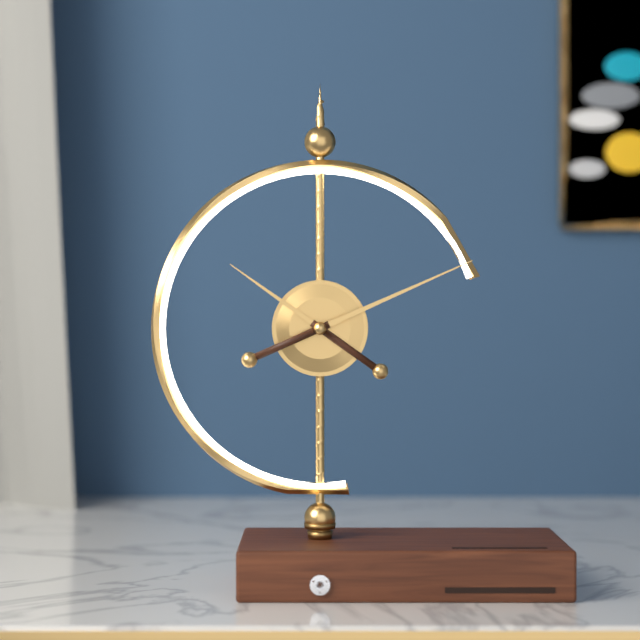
10 h 11 min
